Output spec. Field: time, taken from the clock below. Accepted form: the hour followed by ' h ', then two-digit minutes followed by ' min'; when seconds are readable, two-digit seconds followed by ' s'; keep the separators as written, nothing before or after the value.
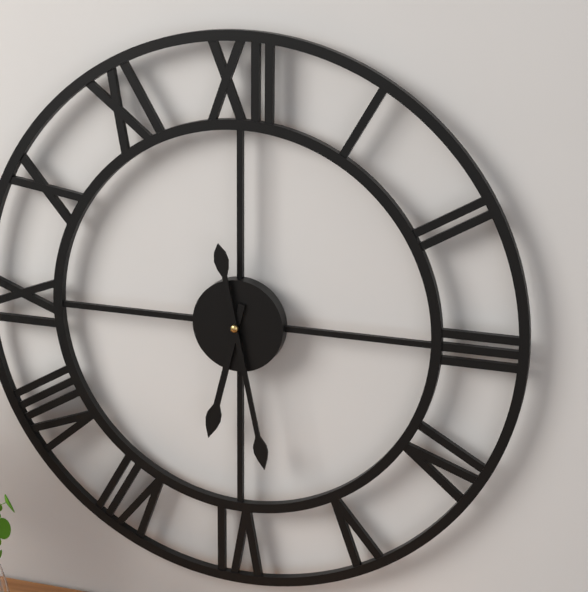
6 h 28 min
